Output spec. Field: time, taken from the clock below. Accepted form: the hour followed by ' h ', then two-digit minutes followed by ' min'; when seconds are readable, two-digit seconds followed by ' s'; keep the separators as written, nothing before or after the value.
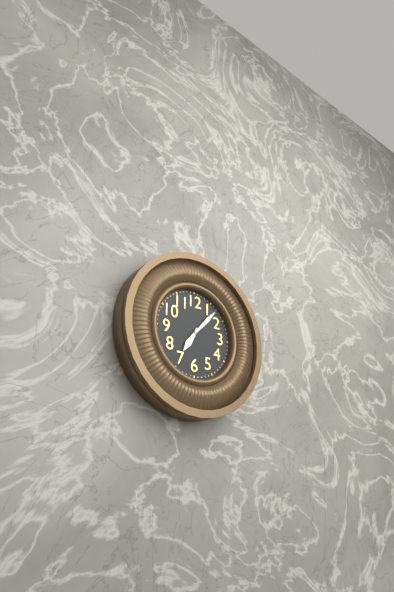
7 h 07 min
